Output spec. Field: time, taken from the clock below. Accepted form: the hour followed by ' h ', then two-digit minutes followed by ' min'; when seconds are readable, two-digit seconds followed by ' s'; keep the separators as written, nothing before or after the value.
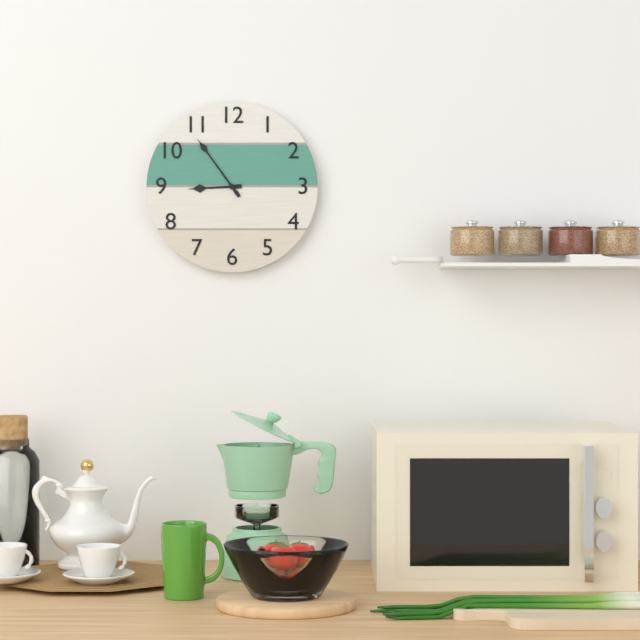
8 h 54 min
